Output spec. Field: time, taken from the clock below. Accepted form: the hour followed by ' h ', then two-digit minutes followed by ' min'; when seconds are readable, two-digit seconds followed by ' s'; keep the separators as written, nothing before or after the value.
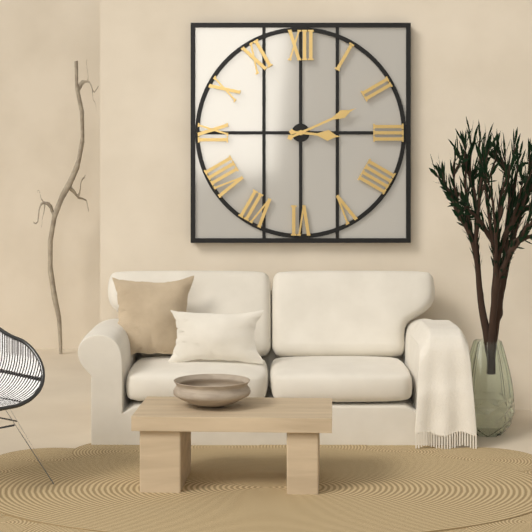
3 h 11 min
